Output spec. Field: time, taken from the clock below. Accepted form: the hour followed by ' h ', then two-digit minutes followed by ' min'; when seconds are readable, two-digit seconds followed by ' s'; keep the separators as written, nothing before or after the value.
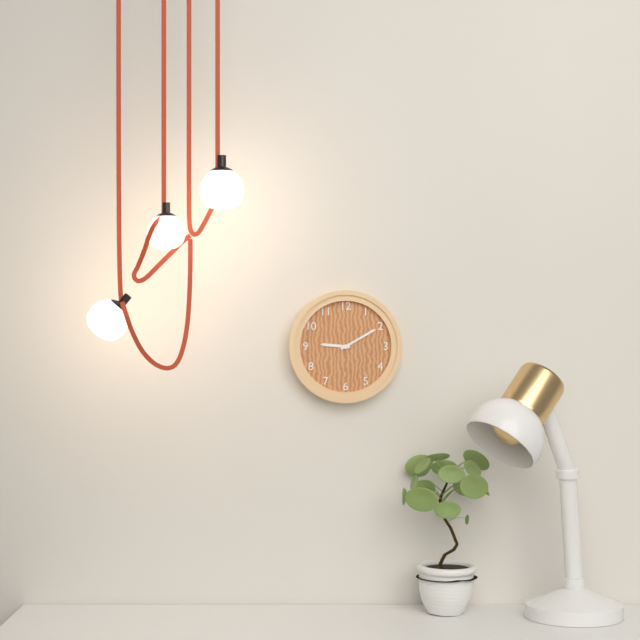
9 h 10 min
